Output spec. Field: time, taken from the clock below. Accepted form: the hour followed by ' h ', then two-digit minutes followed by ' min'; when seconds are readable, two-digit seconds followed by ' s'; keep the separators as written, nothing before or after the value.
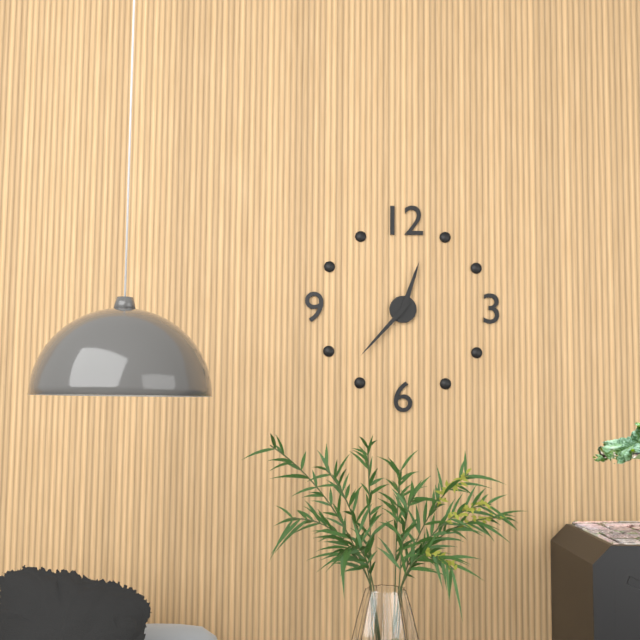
12 h 37 min
